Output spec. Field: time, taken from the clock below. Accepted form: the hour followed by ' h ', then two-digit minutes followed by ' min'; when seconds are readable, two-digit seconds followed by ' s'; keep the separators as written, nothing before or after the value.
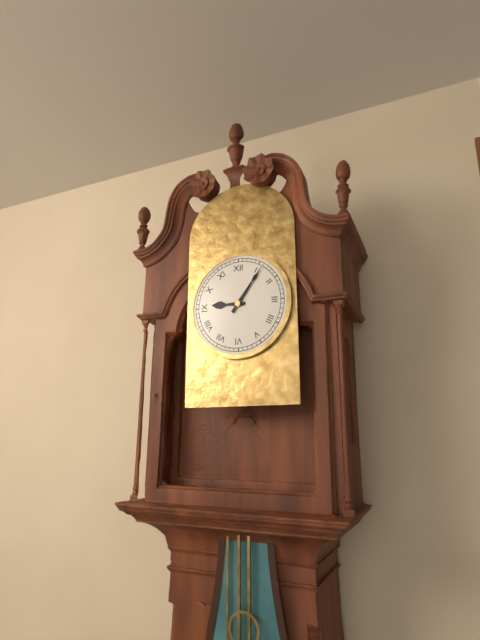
9 h 06 min
